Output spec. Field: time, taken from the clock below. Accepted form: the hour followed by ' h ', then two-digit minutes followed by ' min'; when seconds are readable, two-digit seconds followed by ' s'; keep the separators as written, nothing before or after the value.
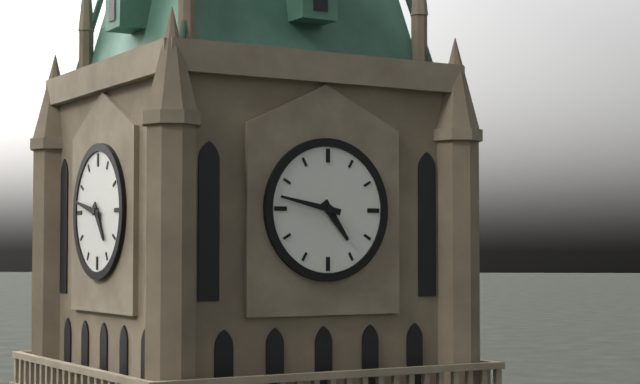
4 h 47 min
